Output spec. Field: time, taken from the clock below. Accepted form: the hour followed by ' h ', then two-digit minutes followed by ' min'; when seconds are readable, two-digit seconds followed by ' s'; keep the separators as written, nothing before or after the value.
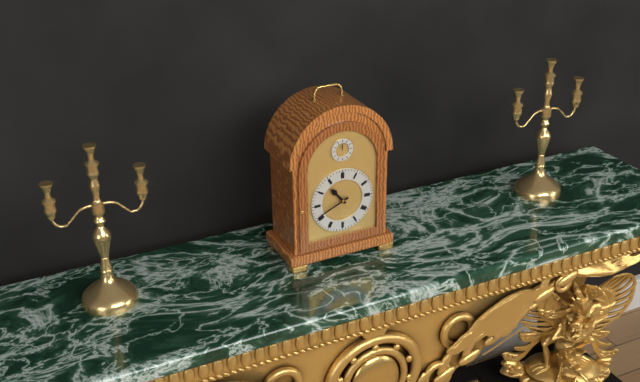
10 h 41 min
